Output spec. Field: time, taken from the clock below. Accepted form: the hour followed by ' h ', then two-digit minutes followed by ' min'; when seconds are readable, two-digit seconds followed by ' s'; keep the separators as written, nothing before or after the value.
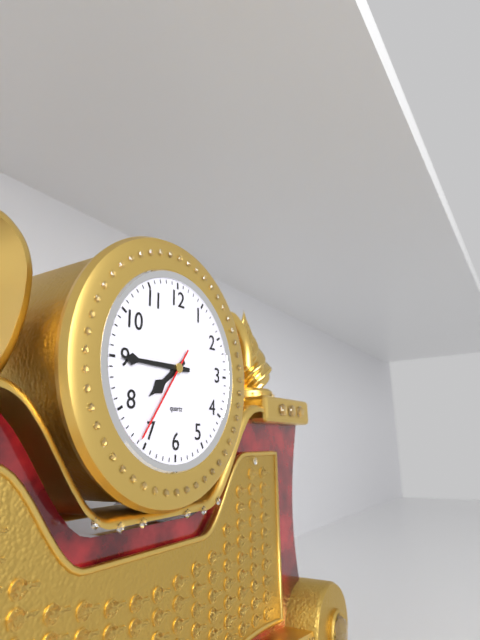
7 h 45 min 36 s
